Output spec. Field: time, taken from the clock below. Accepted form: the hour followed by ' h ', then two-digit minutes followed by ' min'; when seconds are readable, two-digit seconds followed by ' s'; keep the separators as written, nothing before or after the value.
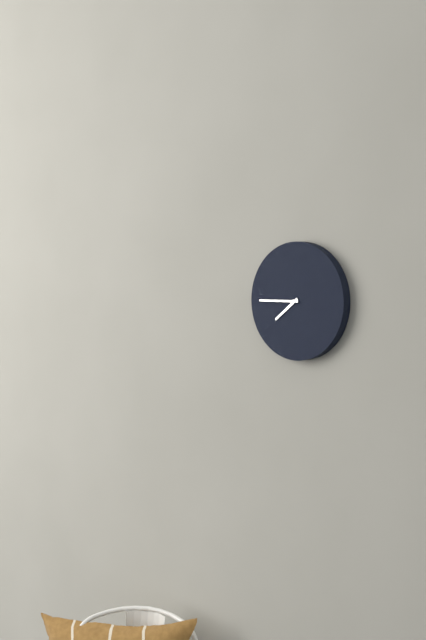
7 h 45 min
